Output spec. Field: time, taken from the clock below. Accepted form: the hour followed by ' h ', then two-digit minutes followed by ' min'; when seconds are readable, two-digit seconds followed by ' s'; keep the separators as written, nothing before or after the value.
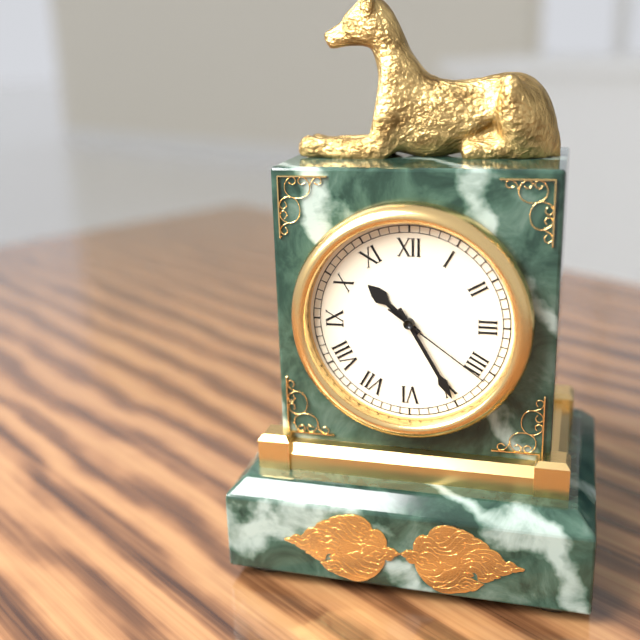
10 h 25 min 21 s
